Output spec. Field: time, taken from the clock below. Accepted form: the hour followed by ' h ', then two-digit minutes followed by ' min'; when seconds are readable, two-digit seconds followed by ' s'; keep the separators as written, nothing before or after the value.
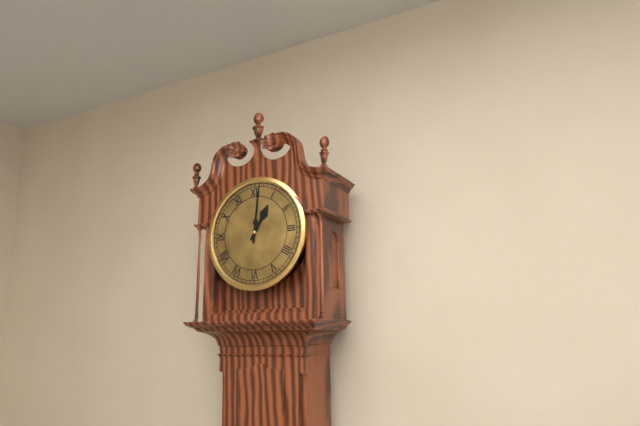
1 h 01 min
